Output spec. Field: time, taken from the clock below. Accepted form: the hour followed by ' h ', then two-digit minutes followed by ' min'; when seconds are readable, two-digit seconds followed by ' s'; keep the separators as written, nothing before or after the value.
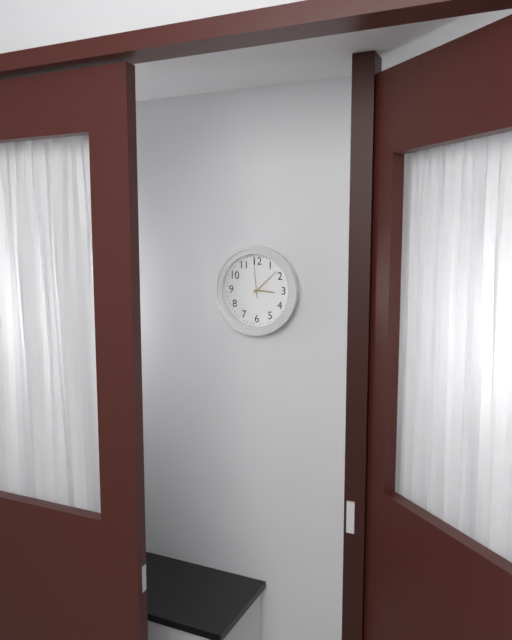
3 h 08 min
